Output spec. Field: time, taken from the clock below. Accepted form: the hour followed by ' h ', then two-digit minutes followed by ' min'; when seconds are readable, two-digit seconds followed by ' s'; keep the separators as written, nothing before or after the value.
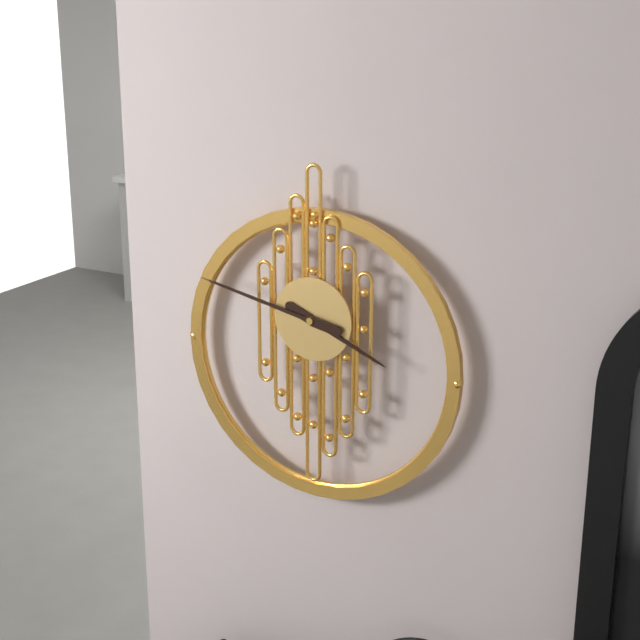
3 h 47 min
